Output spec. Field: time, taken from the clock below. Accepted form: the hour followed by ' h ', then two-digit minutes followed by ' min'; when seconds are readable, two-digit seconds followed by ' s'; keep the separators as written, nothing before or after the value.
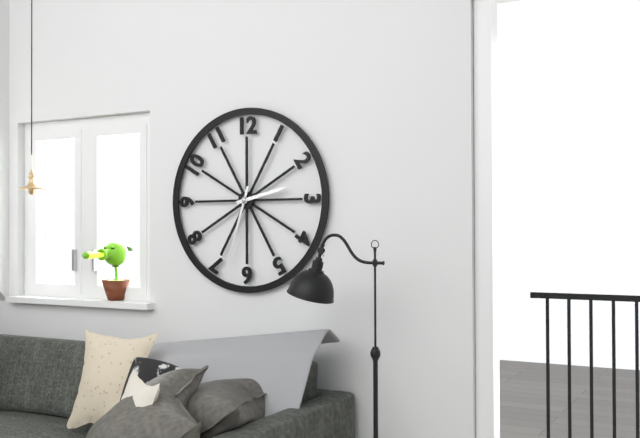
2 h 33 min
